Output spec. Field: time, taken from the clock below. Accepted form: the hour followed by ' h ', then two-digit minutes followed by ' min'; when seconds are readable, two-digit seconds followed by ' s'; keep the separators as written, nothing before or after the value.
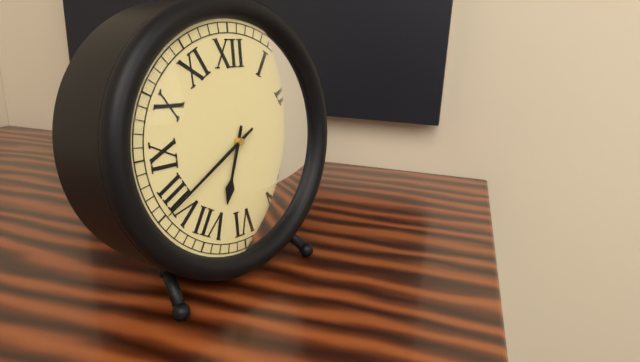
6 h 40 min
